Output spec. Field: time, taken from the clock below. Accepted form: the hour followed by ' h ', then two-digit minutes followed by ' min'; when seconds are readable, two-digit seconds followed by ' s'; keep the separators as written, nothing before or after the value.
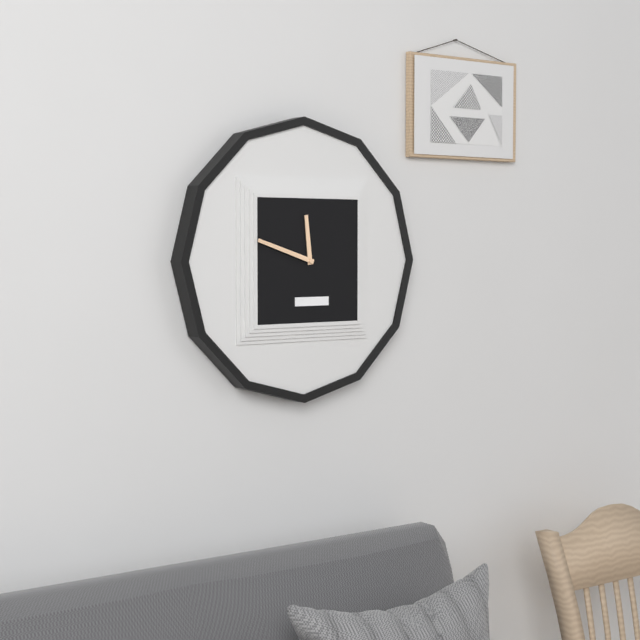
11 h 48 min
